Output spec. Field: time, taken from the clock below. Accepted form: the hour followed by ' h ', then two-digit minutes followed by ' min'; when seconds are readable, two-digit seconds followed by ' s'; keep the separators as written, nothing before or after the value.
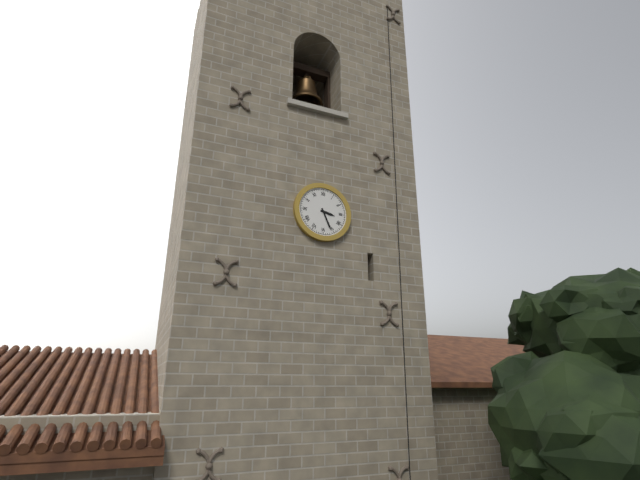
3 h 26 min
